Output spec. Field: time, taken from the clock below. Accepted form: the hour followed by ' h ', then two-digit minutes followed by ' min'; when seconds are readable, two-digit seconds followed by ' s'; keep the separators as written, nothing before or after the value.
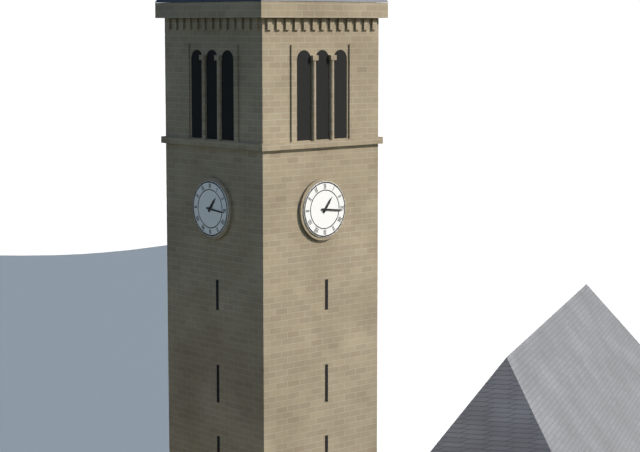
1 h 16 min
